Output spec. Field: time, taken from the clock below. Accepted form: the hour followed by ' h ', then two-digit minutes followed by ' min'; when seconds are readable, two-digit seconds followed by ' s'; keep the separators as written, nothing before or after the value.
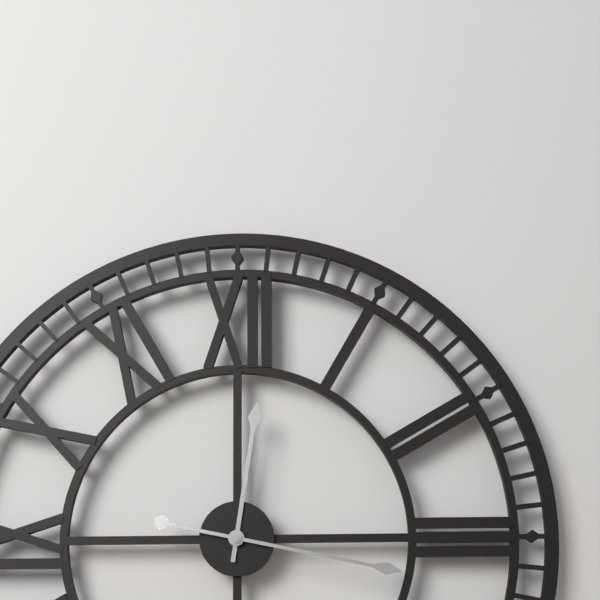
12 h 17 min
